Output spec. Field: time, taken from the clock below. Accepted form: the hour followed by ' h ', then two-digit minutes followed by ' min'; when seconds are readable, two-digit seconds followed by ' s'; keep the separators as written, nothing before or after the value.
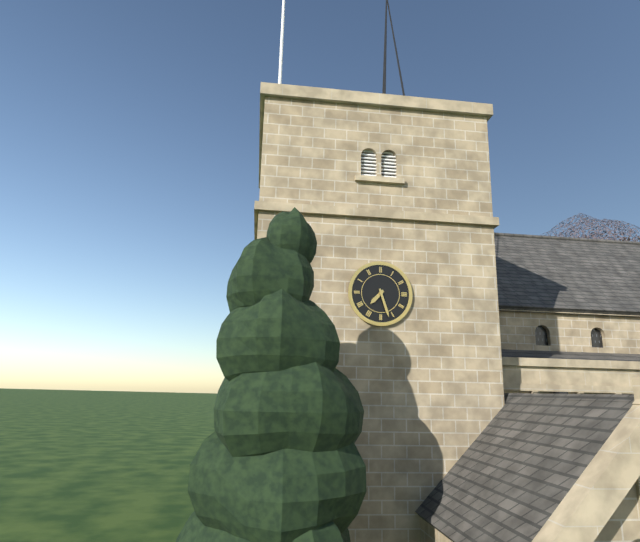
7 h 27 min
